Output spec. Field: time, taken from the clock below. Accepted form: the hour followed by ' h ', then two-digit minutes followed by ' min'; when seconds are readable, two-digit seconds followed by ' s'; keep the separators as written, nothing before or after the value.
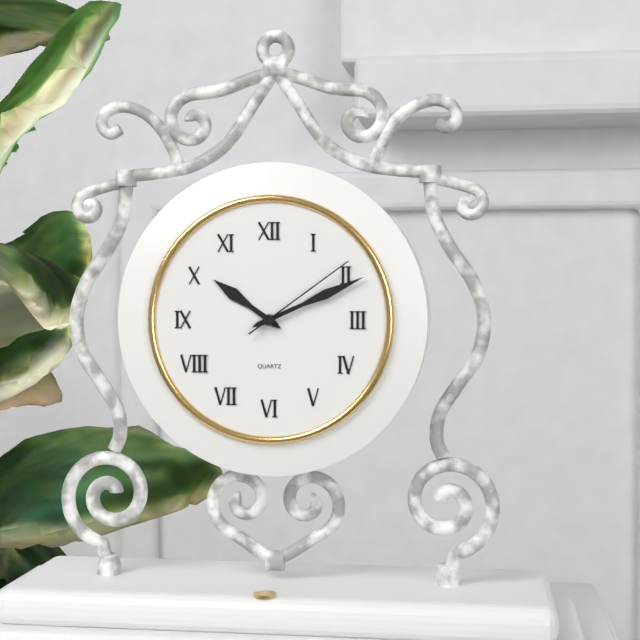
10 h 11 min 09 s
